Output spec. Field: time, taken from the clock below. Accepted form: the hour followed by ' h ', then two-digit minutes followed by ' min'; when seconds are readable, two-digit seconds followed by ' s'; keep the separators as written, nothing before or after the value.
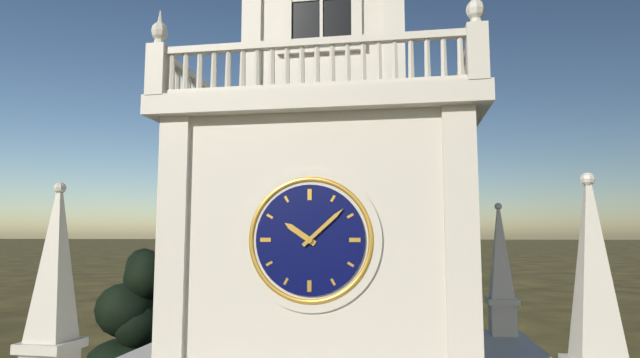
10 h 08 min
